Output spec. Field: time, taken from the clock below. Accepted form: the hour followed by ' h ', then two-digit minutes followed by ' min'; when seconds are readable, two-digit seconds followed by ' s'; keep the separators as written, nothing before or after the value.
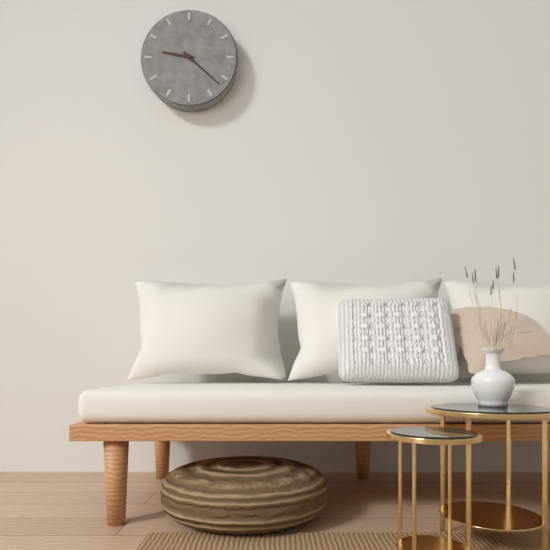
9 h 22 min
